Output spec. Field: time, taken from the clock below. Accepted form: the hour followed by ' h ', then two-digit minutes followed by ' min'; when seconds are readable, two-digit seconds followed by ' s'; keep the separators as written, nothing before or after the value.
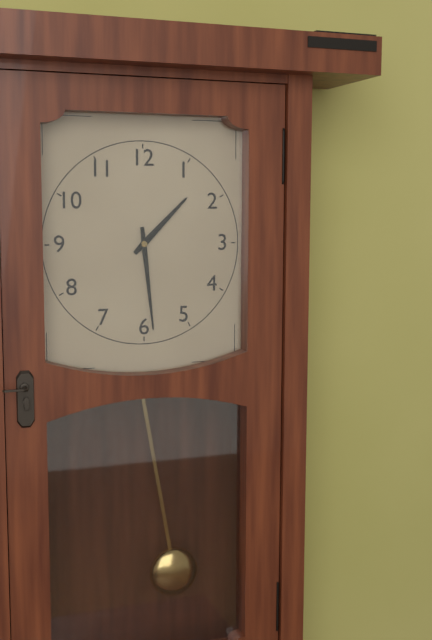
1 h 29 min
